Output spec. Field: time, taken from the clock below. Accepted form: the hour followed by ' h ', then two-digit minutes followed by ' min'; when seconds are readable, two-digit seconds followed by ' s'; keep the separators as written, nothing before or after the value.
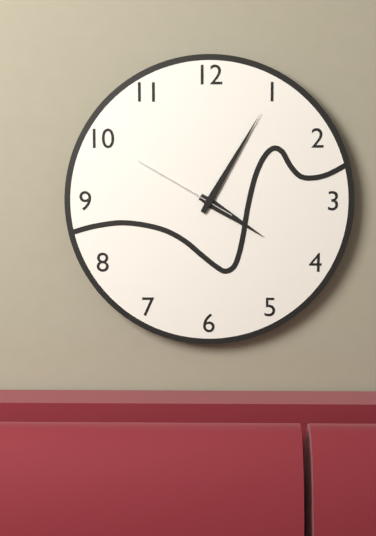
4 h 05 min 50 s
